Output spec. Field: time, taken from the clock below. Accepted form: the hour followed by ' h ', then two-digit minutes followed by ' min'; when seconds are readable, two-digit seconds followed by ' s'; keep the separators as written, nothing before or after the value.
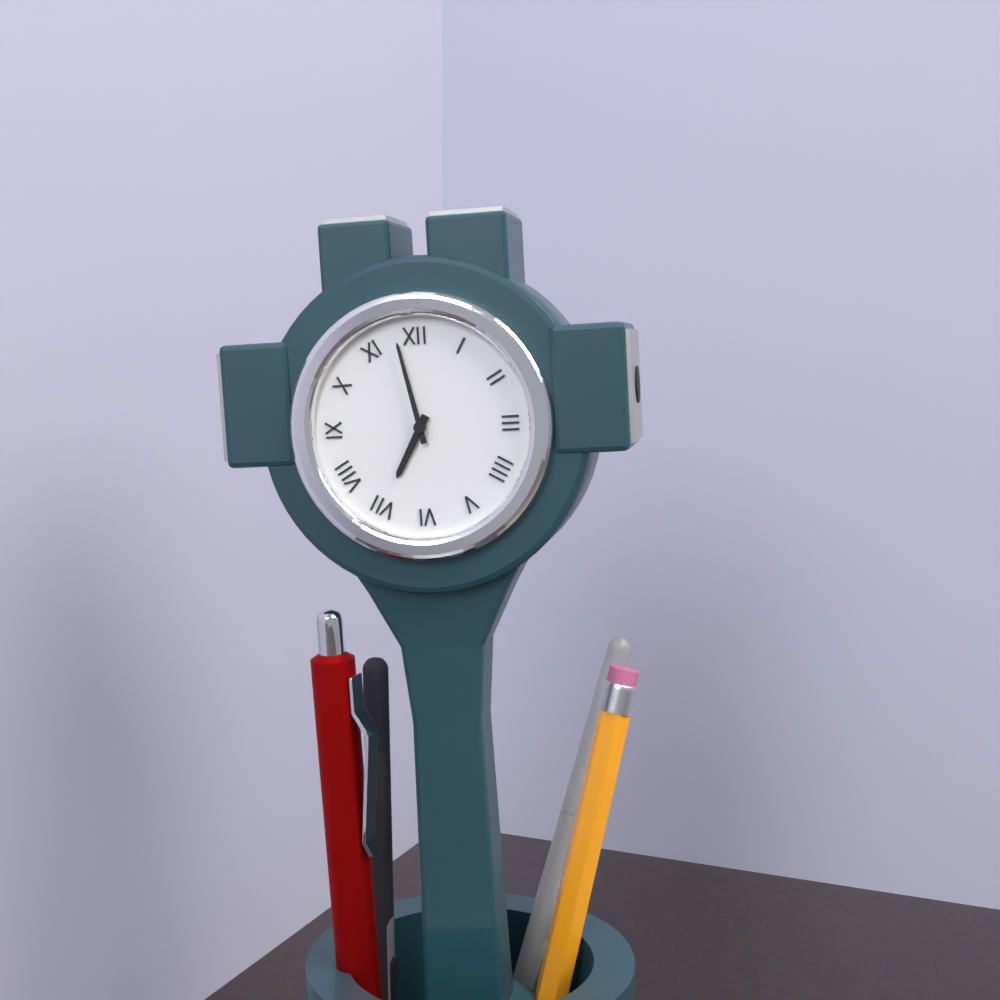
6 h 58 min
